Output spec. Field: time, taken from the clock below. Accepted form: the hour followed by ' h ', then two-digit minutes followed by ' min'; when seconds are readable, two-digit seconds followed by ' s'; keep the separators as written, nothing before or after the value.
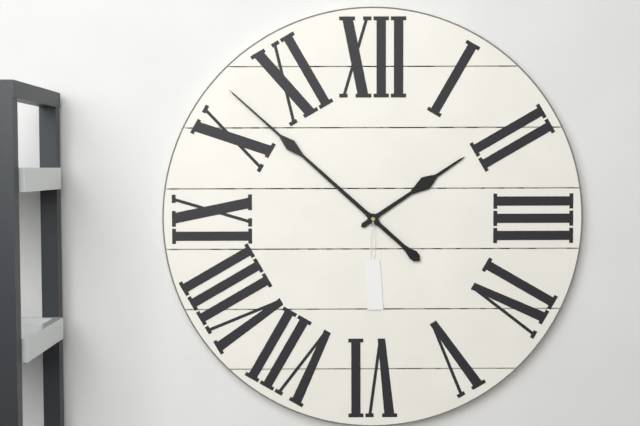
1 h 52 min
